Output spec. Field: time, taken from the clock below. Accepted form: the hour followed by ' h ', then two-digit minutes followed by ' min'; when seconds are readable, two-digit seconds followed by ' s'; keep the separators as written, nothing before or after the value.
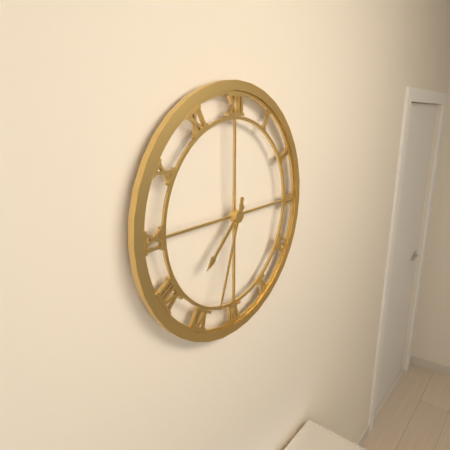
7 h 33 min
